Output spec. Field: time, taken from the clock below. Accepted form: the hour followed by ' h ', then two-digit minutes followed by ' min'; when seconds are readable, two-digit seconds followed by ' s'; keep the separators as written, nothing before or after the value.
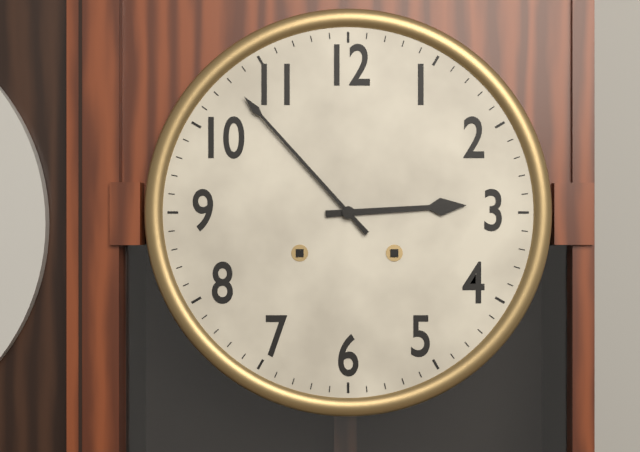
2 h 53 min
